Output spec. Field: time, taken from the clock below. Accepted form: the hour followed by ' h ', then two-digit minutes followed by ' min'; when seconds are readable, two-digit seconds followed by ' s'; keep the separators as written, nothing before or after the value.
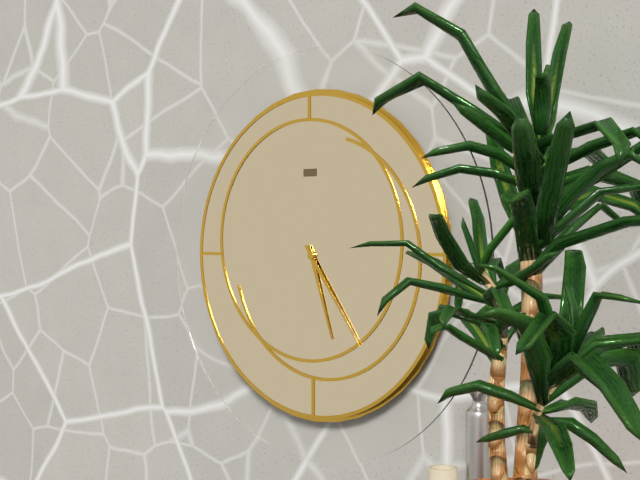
5 h 24 min
